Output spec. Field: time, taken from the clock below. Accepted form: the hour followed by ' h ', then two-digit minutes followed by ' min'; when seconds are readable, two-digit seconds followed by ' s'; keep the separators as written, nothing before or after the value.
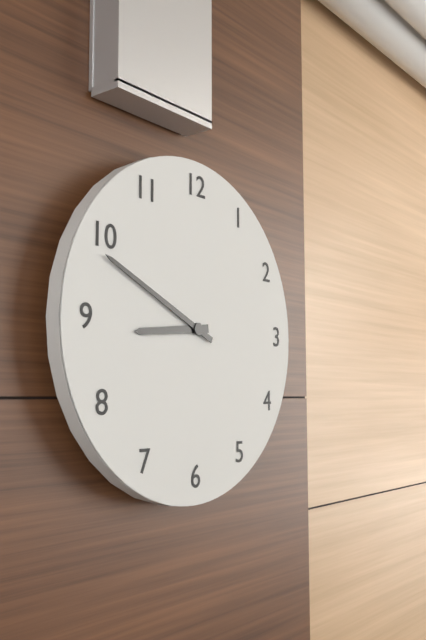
8 h 49 min
